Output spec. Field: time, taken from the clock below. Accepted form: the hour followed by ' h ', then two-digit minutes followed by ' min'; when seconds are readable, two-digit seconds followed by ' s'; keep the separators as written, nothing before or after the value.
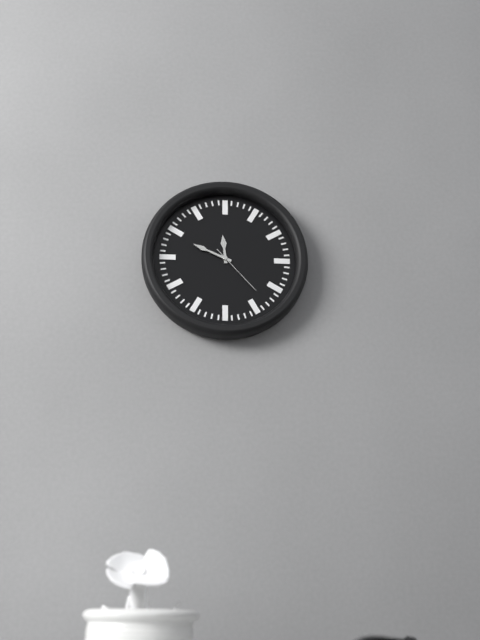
11 h 49 min 23 s
